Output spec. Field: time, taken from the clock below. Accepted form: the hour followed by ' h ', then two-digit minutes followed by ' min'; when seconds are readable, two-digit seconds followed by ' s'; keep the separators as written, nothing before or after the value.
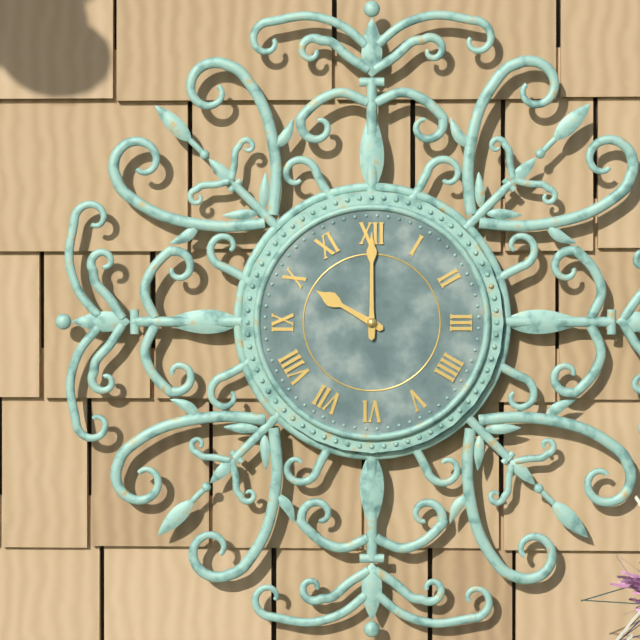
10 h 00 min
